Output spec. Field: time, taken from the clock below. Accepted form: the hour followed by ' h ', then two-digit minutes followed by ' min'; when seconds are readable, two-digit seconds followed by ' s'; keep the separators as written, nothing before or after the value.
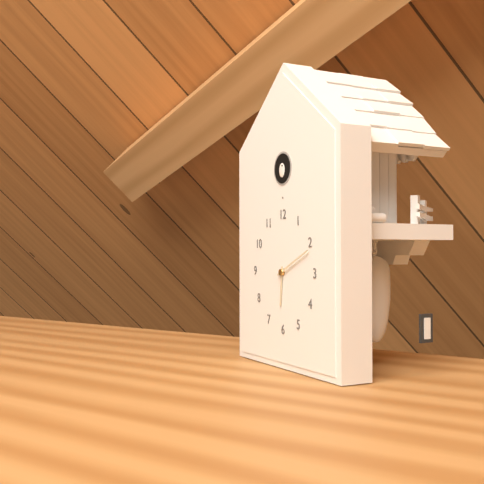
6 h 11 min
